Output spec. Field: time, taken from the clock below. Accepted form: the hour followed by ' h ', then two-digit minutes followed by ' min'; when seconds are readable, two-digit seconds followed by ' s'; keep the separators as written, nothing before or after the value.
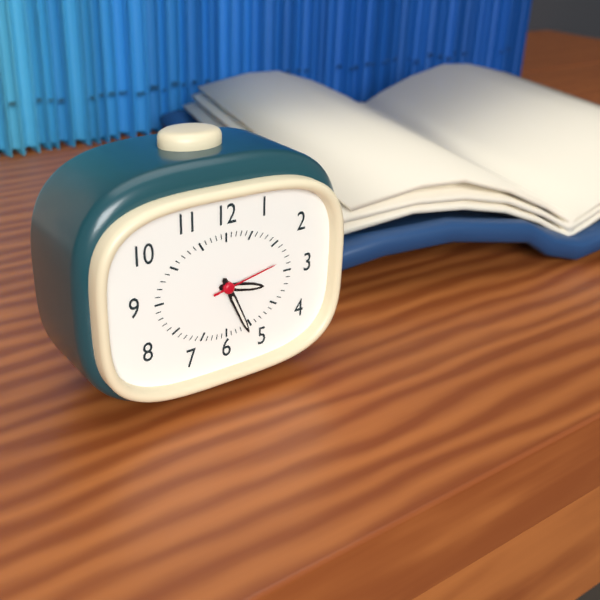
3 h 26 min 13 s
